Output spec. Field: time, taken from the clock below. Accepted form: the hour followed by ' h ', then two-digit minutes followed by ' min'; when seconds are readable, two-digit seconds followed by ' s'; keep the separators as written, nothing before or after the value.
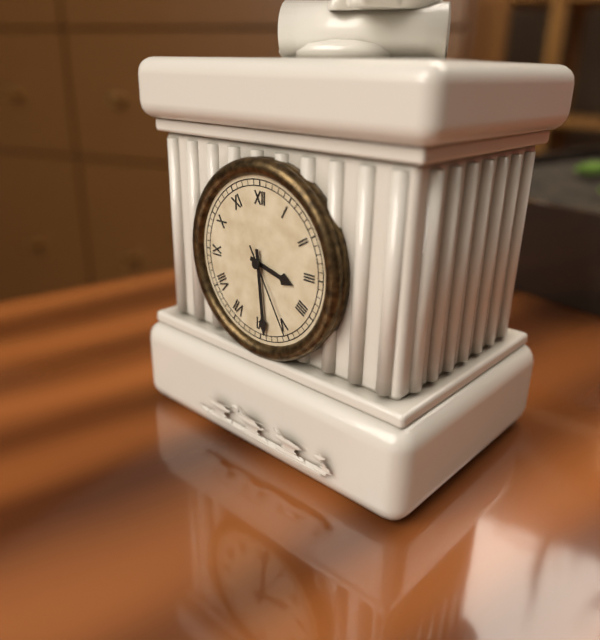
3 h 29 min 25 s
